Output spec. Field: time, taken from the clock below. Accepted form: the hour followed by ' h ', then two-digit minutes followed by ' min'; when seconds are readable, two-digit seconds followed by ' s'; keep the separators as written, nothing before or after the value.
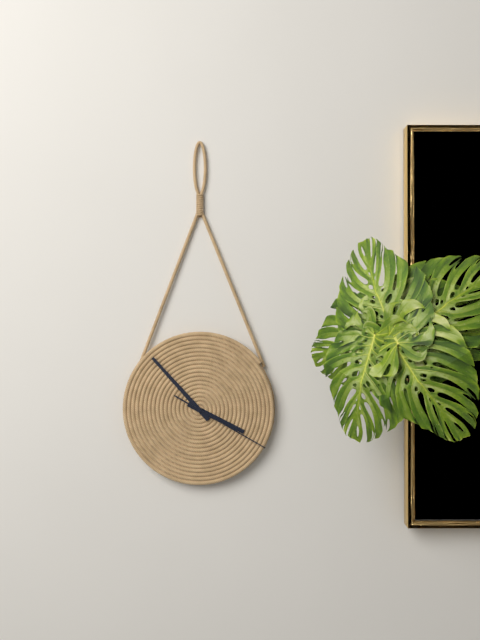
3 h 53 min 20 s
